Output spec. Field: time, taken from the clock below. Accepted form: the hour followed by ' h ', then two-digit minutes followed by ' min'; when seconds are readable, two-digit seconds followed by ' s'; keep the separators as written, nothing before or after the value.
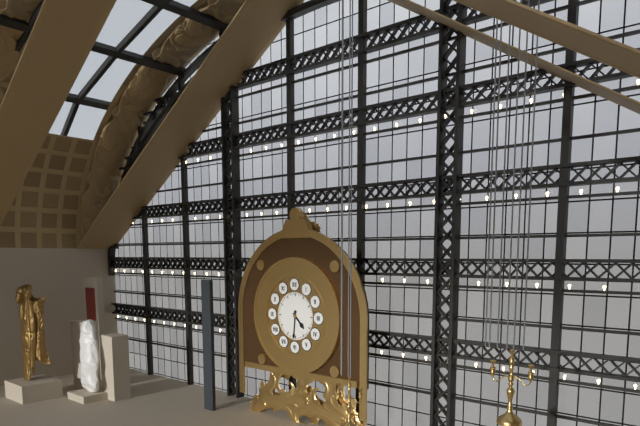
4 h 31 min
